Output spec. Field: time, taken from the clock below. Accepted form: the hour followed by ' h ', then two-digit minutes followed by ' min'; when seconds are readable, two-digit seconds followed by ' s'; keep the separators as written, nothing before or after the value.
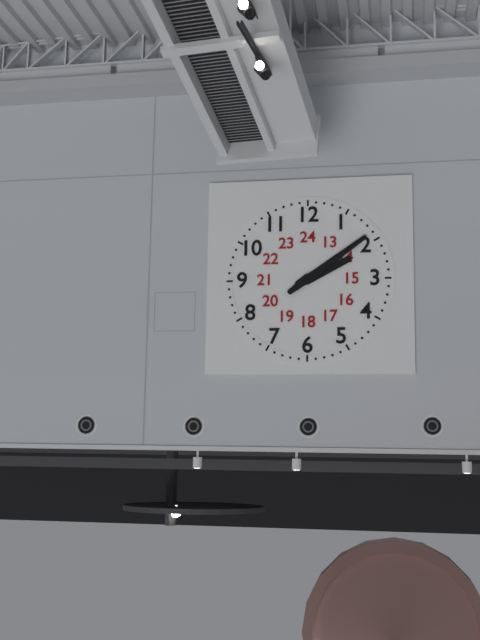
2 h 09 min
